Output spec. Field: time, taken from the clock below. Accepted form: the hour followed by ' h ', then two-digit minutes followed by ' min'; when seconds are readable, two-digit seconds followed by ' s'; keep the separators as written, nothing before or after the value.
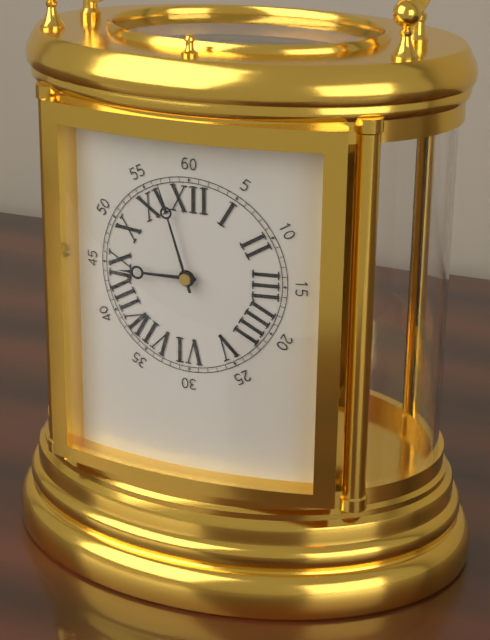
8 h 57 min
